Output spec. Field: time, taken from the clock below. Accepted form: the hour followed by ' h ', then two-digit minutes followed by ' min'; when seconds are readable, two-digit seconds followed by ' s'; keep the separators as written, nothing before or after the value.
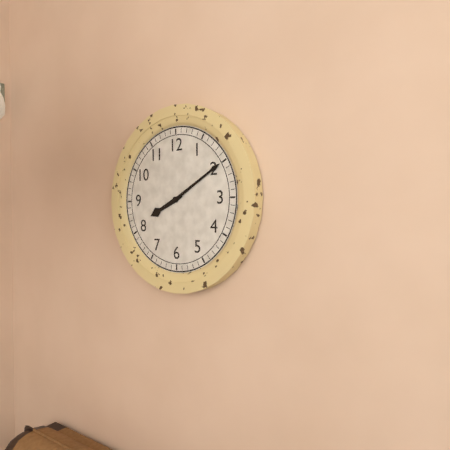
8 h 10 min
